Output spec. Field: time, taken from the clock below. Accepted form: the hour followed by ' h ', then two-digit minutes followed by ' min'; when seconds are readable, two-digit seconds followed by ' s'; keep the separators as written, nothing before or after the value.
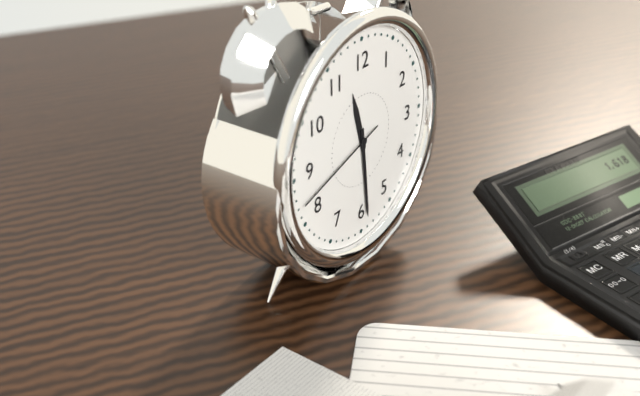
11 h 29 min 42 s
